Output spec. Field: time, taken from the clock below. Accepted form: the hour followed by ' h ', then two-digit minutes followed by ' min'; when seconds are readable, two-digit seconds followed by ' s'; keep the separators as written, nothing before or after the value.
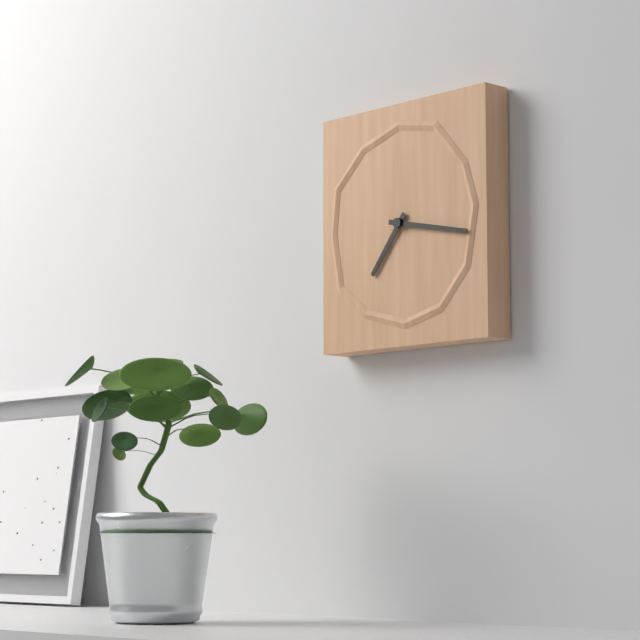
7 h 17 min
